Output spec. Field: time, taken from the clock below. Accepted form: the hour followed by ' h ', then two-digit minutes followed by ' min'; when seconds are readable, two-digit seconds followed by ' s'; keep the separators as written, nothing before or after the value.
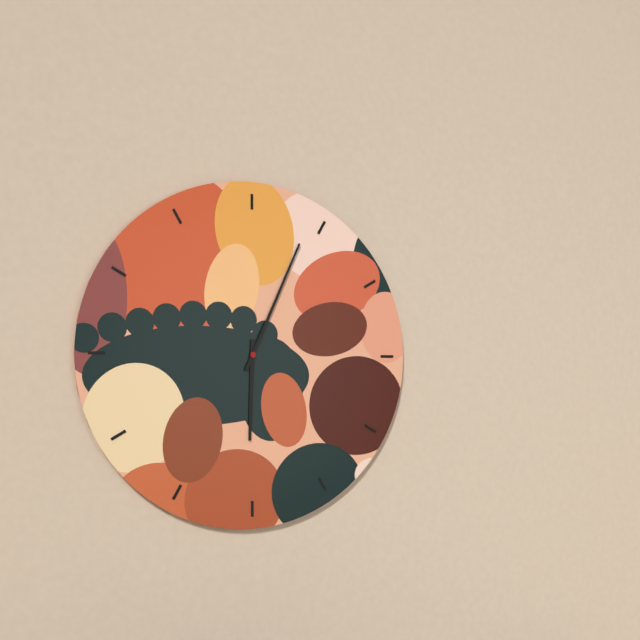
6 h 04 min
